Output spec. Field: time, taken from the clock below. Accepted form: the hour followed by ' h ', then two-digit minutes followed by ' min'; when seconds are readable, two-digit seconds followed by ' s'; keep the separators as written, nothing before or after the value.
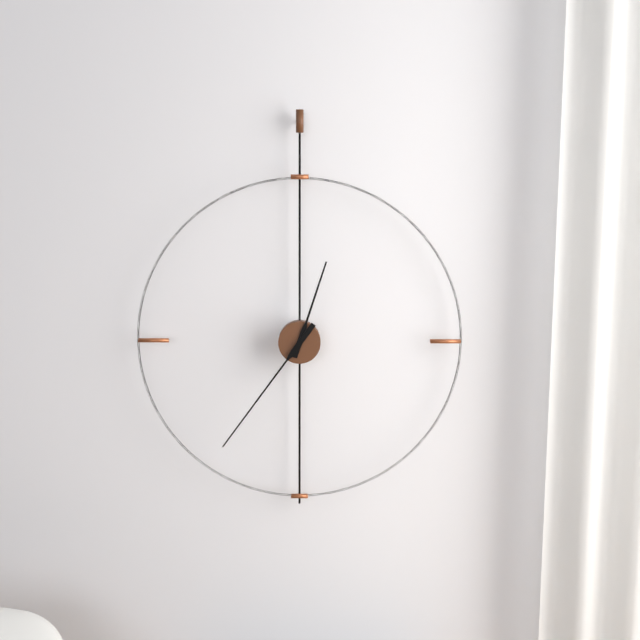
12 h 36 min
